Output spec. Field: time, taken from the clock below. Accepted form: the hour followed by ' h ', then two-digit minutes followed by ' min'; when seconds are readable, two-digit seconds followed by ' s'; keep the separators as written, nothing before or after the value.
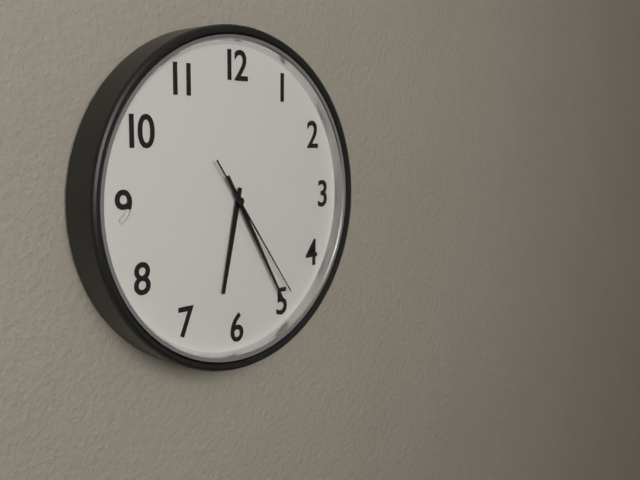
6 h 25 min 24 s
